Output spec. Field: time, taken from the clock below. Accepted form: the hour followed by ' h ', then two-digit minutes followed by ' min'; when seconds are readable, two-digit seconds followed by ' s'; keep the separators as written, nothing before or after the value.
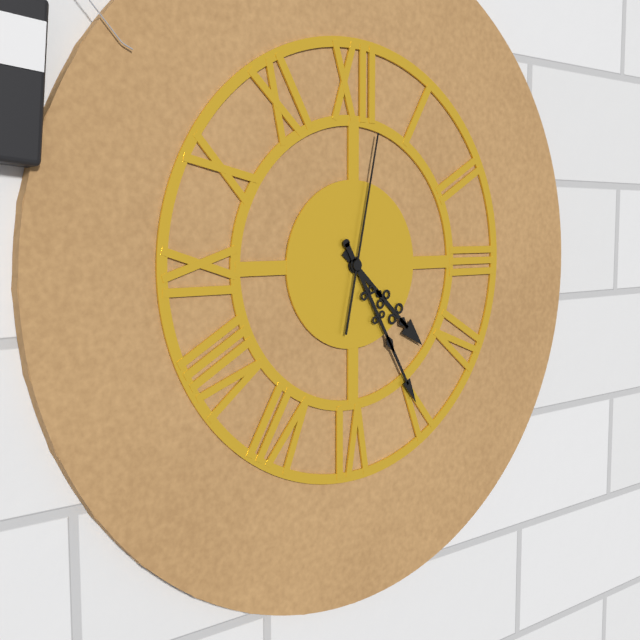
4 h 25 min 02 s
